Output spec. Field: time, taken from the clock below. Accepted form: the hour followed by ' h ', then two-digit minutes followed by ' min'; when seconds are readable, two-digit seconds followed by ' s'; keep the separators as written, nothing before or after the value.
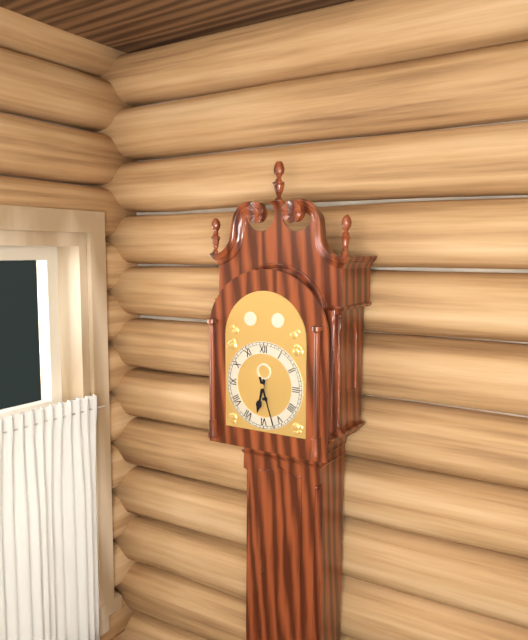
6 h 27 min
